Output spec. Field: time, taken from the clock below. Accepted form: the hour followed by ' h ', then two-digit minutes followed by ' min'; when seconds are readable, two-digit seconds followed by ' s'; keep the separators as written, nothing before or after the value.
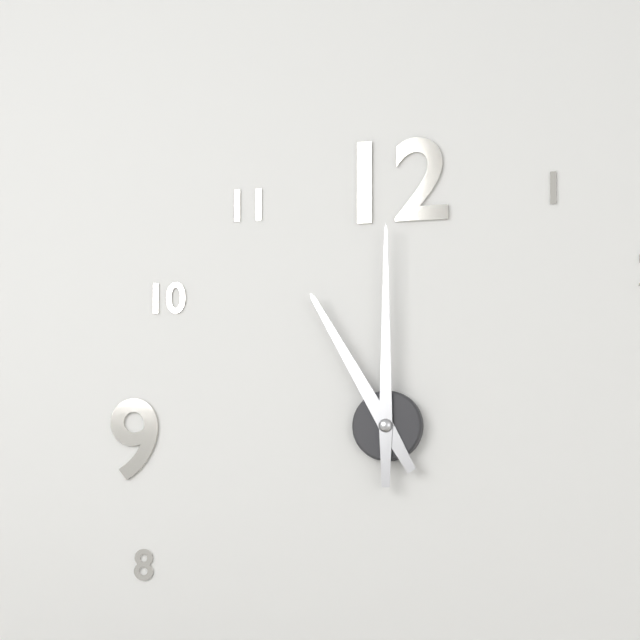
11 h 00 min
